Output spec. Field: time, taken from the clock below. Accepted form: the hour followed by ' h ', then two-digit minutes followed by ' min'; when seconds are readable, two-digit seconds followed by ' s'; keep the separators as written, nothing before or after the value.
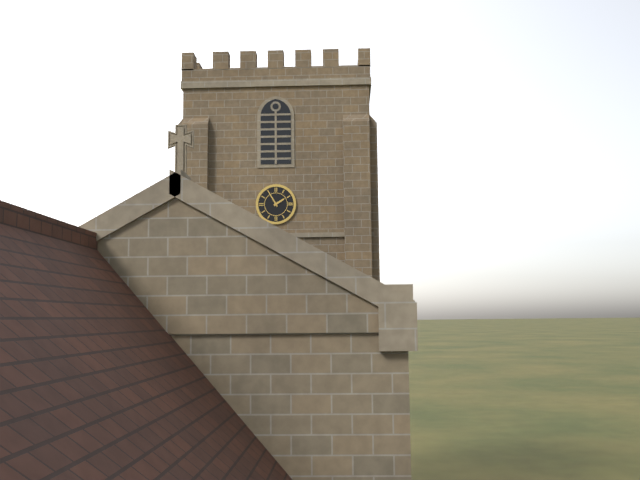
1 h 55 min
